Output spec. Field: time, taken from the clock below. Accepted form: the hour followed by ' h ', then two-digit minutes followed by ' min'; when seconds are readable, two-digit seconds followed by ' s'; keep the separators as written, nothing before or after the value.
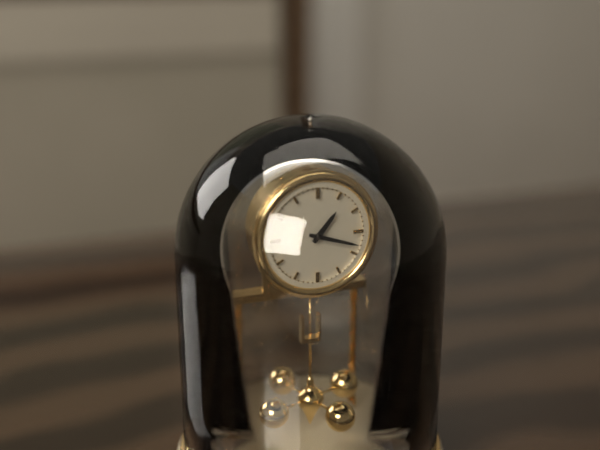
1 h 18 min
